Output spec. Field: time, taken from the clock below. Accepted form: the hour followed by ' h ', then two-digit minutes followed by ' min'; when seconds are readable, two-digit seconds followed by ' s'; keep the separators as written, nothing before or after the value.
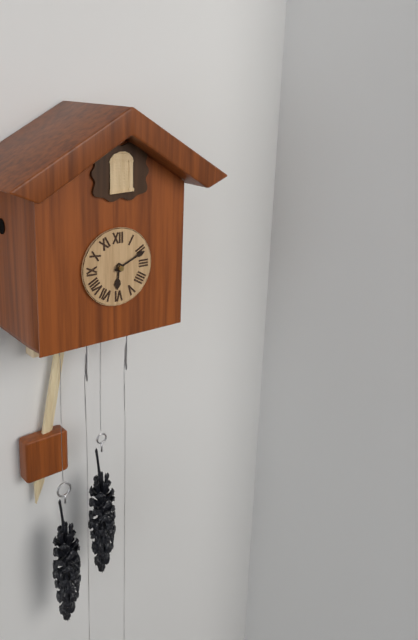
6 h 11 min
